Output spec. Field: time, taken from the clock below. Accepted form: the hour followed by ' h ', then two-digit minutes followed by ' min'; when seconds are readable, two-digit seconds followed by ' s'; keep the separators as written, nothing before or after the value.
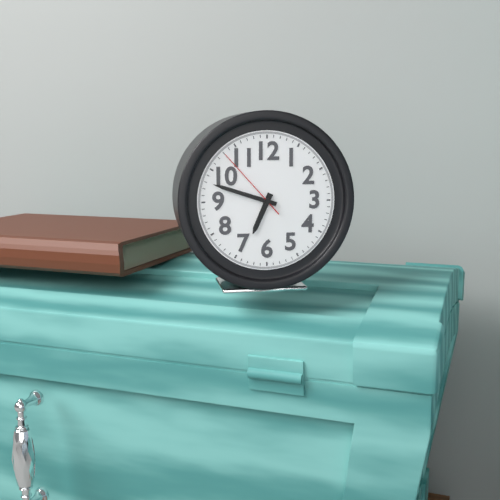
6 h 48 min 53 s
